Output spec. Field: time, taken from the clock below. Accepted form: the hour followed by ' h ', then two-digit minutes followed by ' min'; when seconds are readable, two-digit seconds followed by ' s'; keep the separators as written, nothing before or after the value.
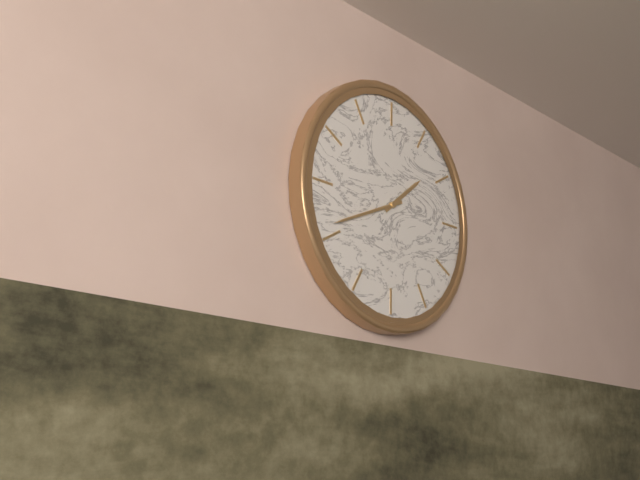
1 h 41 min
